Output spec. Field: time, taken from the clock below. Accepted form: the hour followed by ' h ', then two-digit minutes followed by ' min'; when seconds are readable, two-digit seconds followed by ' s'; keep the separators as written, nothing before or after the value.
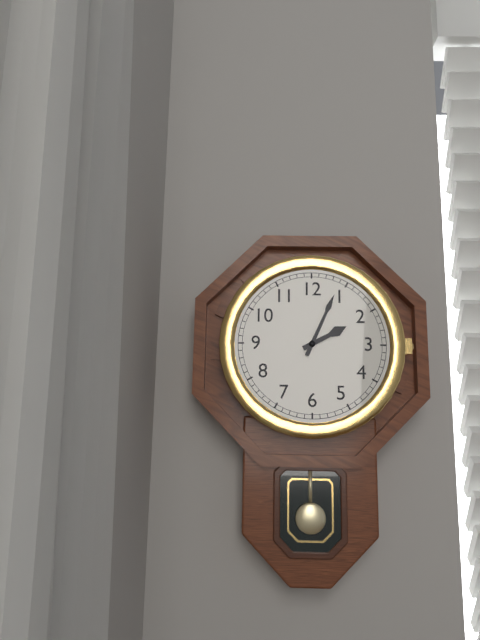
2 h 04 min
